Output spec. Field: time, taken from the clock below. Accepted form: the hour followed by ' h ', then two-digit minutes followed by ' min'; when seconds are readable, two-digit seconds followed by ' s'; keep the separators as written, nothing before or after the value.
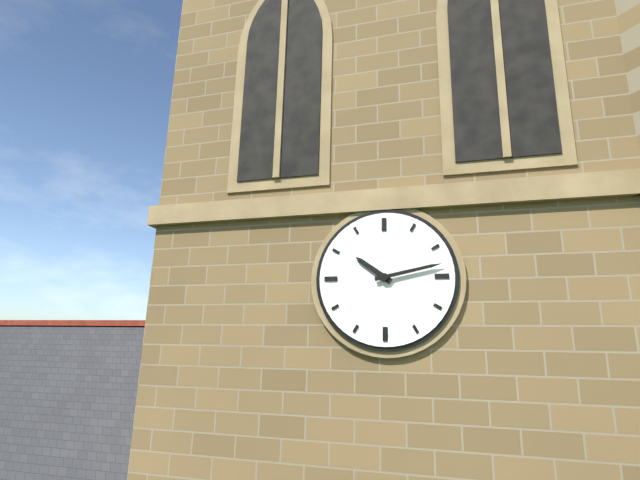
10 h 13 min
